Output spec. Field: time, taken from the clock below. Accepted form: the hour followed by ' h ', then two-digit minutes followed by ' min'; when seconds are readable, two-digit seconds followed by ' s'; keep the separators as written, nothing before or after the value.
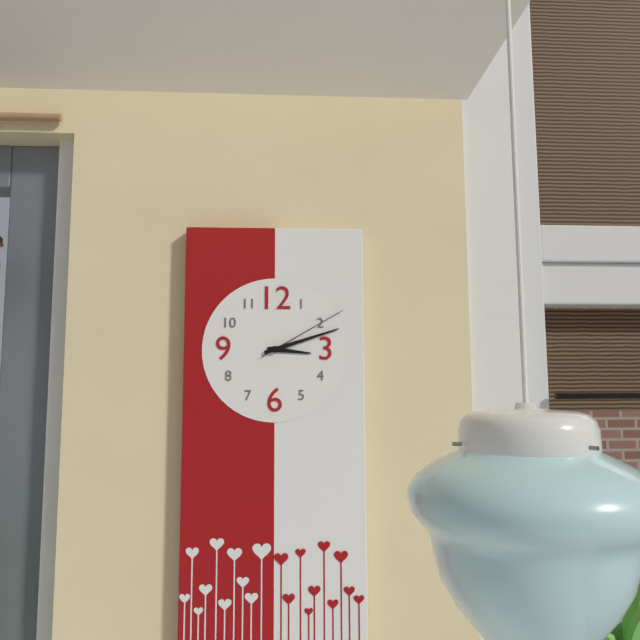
3 h 12 min 10 s
